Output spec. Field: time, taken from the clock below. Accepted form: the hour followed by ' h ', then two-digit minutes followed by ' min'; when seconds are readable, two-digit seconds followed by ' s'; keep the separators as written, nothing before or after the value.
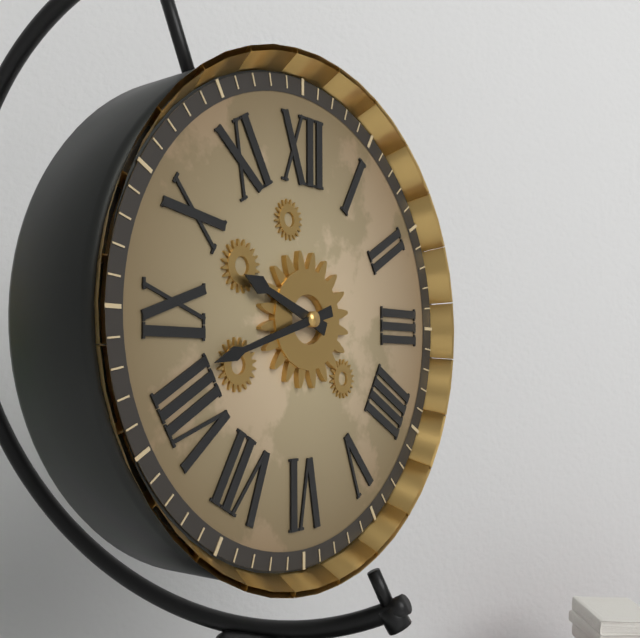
9 h 42 min
